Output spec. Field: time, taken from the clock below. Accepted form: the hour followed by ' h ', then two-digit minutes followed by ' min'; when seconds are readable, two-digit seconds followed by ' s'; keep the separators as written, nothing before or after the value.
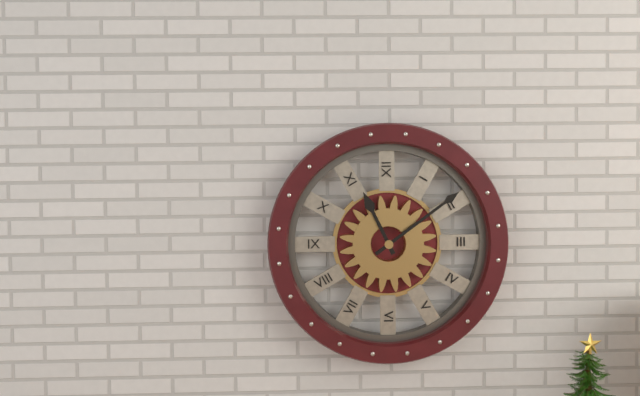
11 h 09 min
